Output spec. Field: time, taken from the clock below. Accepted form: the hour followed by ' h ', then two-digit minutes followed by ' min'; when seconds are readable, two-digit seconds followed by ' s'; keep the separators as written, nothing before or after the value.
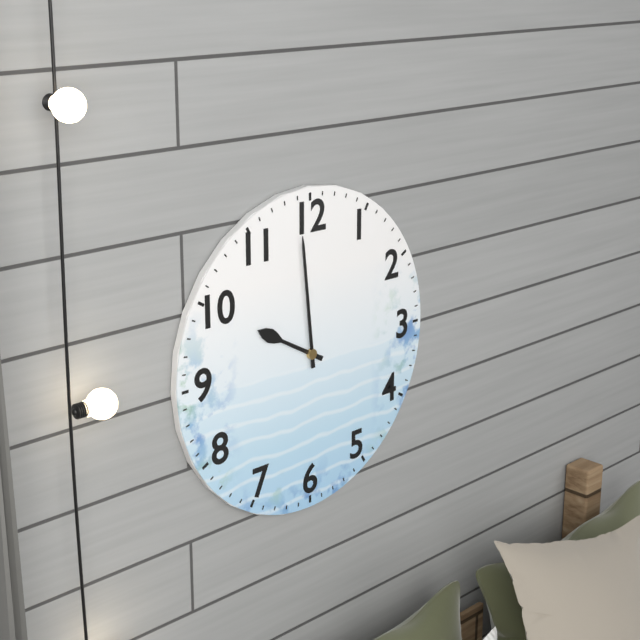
9 h 59 min
